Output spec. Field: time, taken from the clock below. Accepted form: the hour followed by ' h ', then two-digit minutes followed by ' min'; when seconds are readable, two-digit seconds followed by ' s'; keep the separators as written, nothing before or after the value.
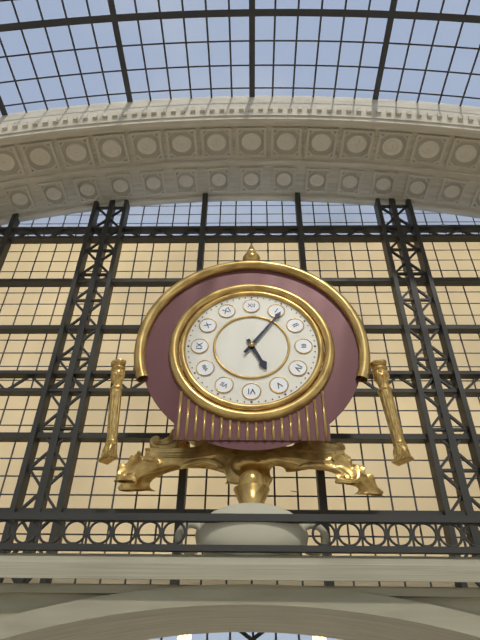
5 h 06 min
